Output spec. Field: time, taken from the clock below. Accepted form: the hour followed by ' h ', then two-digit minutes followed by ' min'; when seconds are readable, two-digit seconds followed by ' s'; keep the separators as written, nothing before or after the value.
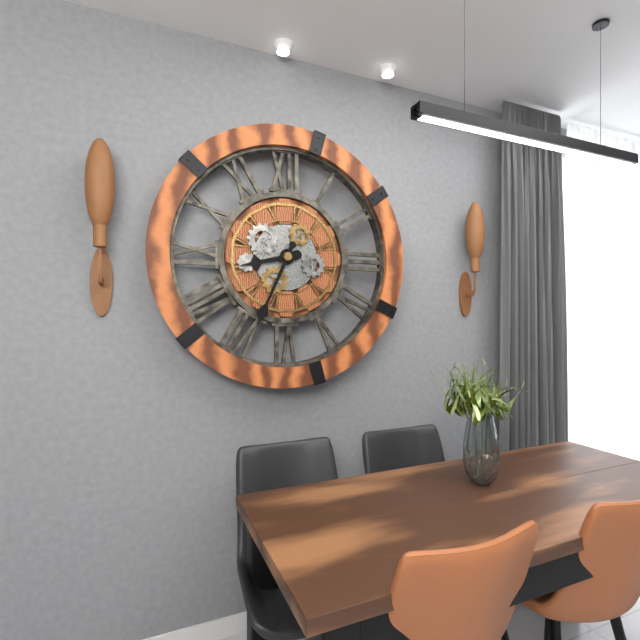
8 h 34 min
